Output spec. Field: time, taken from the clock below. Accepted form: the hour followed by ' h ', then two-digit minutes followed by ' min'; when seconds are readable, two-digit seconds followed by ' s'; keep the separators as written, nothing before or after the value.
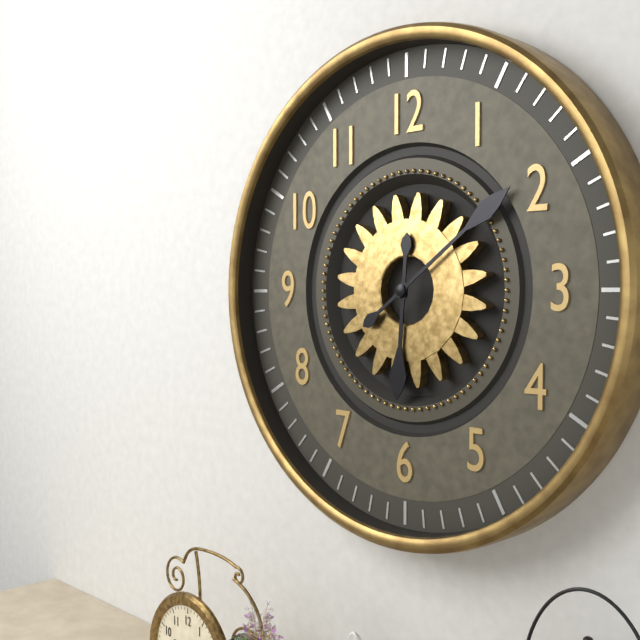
6 h 09 min
